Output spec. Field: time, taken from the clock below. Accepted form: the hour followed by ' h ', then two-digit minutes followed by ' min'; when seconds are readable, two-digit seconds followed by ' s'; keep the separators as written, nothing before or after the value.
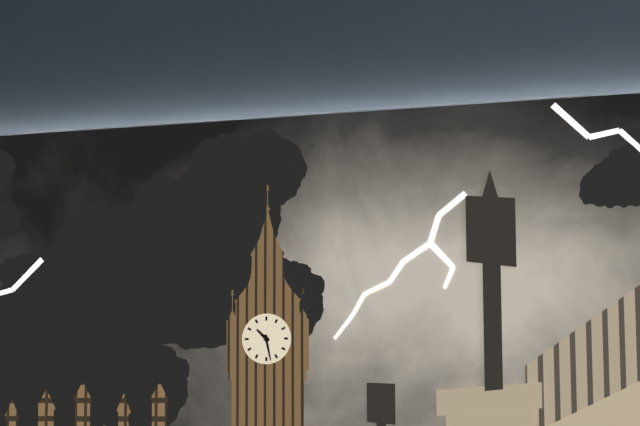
10 h 28 min
